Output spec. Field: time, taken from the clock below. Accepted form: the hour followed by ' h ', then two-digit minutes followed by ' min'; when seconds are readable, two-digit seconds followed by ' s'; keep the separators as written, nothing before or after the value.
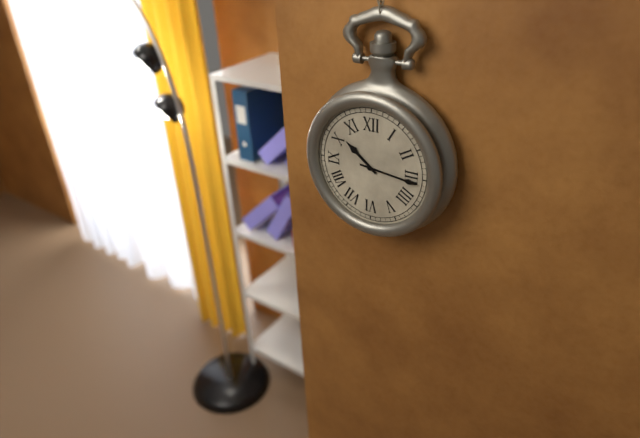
10 h 16 min
